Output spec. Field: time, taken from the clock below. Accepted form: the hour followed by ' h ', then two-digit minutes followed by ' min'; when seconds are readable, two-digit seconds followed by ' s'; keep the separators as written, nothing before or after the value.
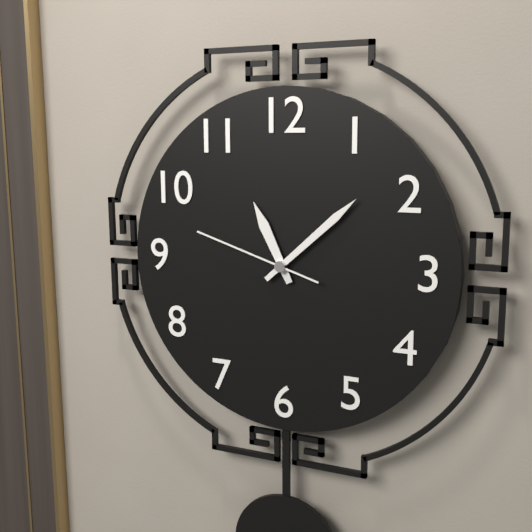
11 h 08 min 48 s
